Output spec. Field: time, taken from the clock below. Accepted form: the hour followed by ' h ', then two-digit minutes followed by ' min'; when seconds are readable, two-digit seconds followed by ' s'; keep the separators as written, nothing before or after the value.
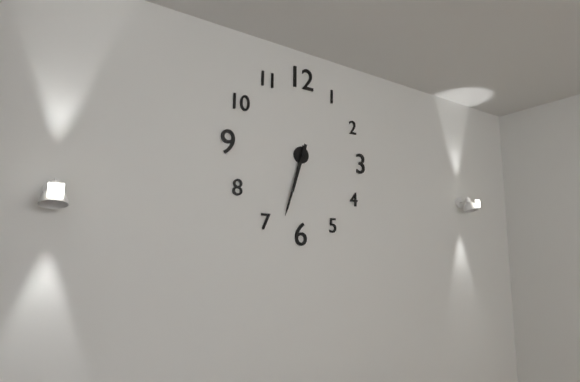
6 h 33 min
